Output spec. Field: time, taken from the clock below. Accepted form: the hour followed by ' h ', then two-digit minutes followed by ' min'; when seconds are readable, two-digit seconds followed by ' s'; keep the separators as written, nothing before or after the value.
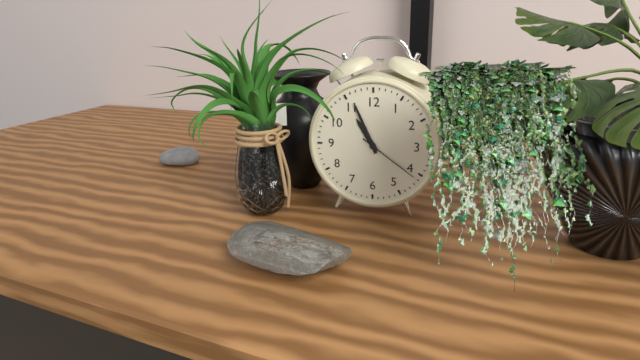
10 h 56 min 21 s
